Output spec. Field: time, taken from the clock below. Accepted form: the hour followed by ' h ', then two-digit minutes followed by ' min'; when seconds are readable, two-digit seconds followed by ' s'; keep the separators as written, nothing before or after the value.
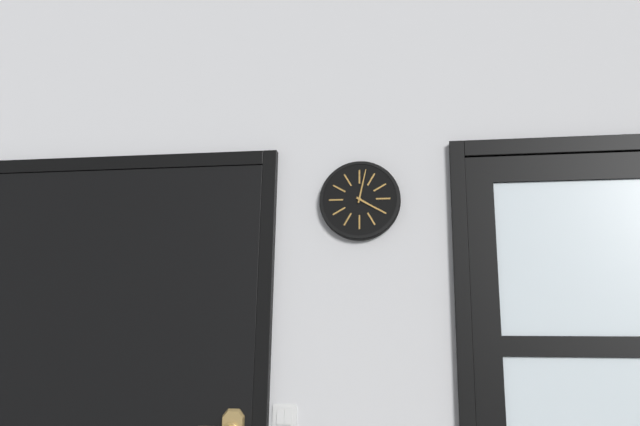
4 h 02 min
